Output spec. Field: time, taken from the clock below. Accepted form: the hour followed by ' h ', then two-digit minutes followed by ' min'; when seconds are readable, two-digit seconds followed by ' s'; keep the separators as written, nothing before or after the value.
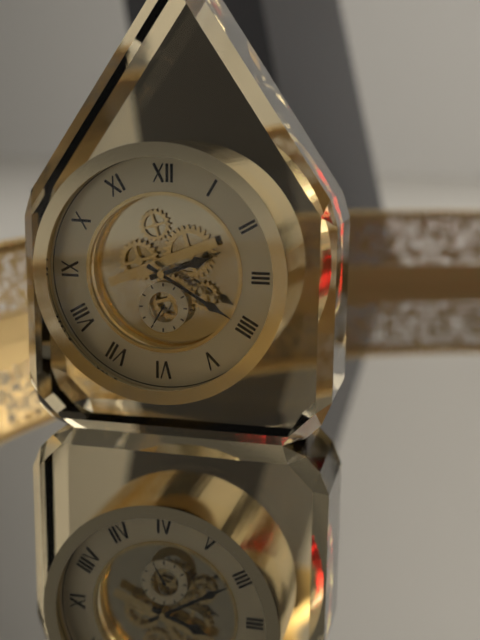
2 h 20 min
